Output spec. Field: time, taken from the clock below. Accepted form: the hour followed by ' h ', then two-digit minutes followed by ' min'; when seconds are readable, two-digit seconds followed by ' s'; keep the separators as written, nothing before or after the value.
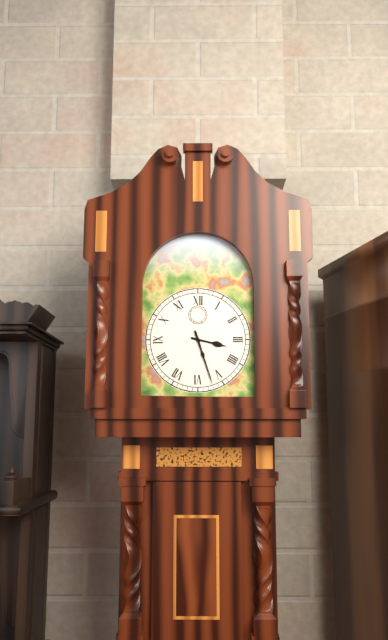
3 h 27 min
